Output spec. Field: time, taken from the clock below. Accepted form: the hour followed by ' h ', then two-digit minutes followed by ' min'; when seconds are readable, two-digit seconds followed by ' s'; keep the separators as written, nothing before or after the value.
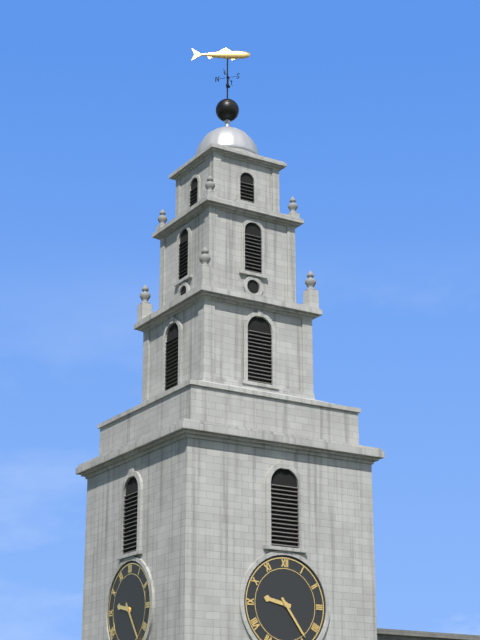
9 h 24 min
